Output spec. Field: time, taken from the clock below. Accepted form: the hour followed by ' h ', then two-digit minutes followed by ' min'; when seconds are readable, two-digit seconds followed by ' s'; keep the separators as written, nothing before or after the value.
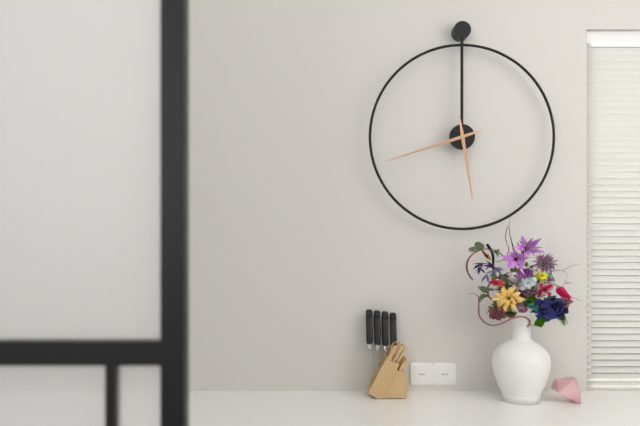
5 h 42 min
